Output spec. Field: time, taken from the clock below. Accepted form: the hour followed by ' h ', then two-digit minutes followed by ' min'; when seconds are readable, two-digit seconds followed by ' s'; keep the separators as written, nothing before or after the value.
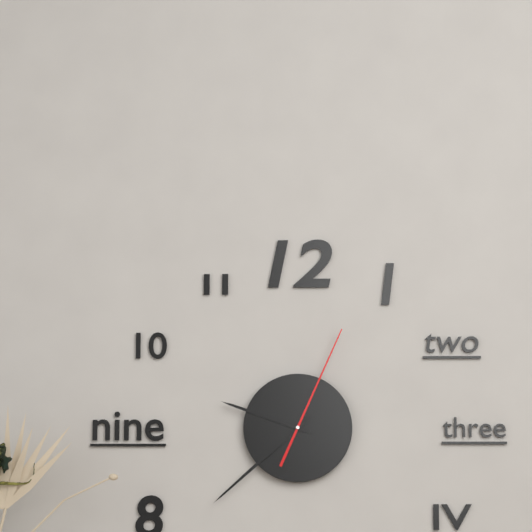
9 h 38 min 04 s
